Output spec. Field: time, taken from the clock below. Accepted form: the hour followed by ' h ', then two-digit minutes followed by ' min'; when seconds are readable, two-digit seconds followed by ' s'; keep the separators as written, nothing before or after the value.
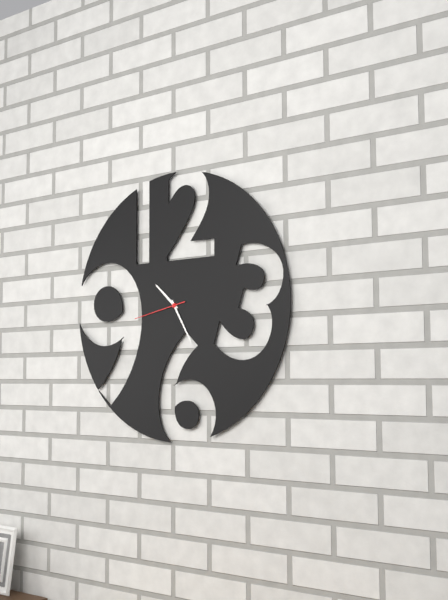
10 h 25 min 43 s
